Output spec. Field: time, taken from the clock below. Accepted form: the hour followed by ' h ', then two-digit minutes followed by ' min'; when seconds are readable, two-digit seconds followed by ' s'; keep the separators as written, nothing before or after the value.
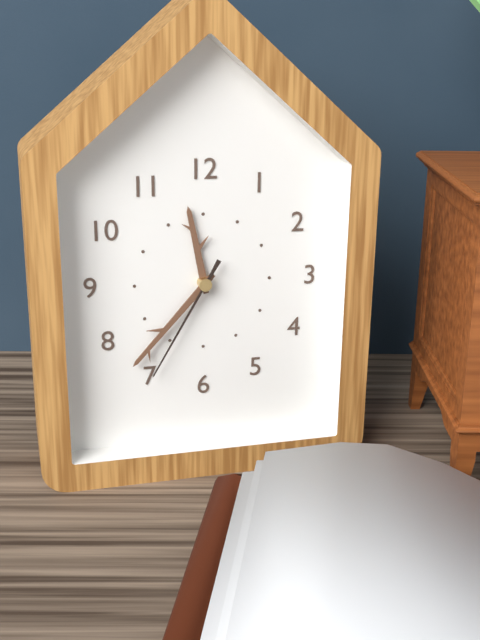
11 h 37 min 35 s
